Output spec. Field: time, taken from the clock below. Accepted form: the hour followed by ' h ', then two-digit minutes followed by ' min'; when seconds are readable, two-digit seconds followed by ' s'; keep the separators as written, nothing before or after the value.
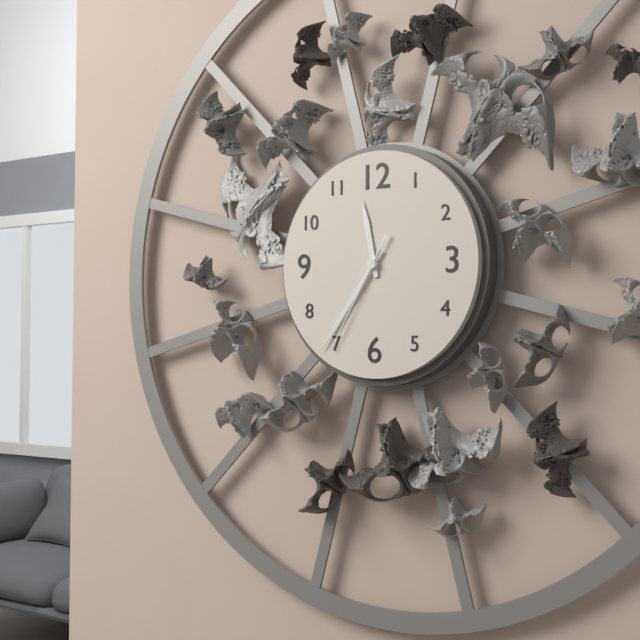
11 h 36 min 35 s
